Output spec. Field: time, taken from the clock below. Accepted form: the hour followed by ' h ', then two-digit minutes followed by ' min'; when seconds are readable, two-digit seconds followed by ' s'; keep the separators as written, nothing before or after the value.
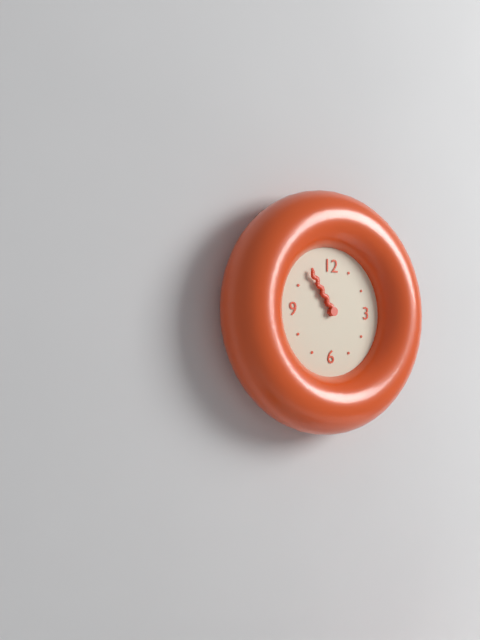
10 h 54 min
